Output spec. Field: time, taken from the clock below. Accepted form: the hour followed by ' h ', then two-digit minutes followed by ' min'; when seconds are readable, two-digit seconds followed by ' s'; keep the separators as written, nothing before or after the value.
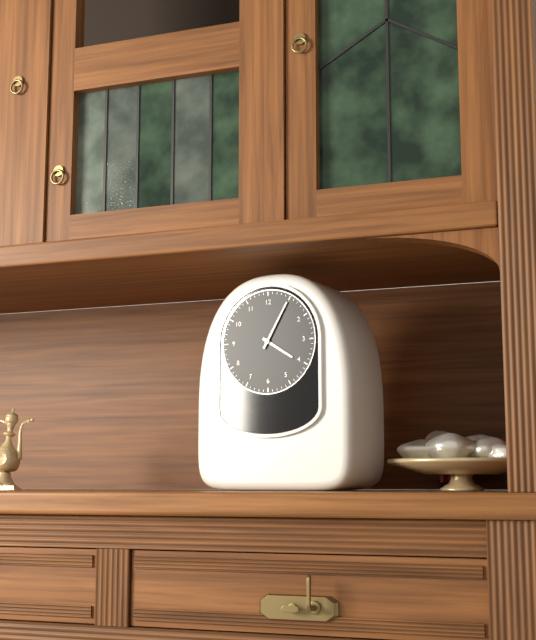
4 h 05 min
